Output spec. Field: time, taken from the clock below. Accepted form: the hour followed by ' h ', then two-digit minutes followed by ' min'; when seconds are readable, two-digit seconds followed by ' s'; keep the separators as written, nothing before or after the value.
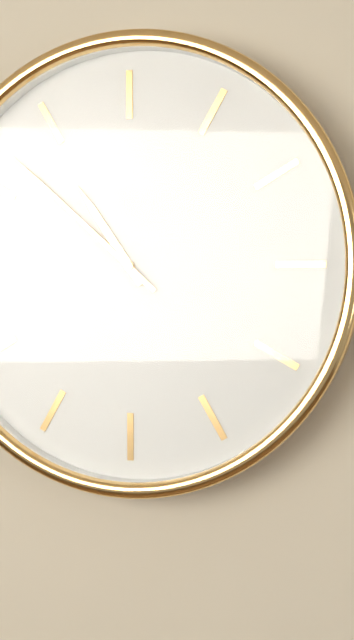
10 h 52 min
